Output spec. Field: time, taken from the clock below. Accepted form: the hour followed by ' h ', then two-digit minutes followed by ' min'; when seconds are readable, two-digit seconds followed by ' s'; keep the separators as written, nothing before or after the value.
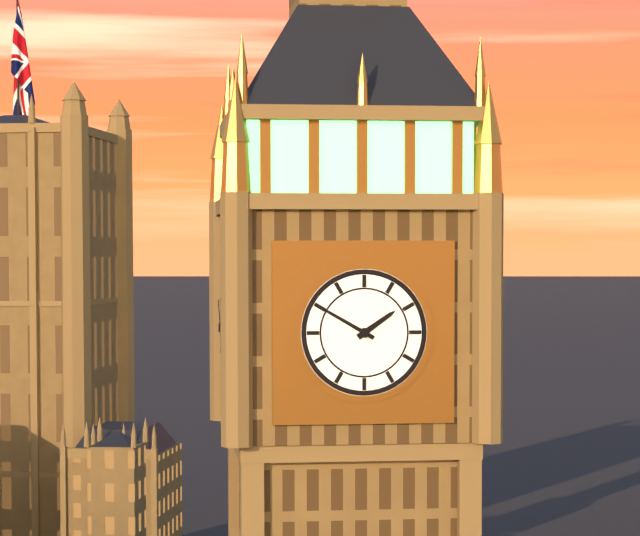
1 h 50 min
